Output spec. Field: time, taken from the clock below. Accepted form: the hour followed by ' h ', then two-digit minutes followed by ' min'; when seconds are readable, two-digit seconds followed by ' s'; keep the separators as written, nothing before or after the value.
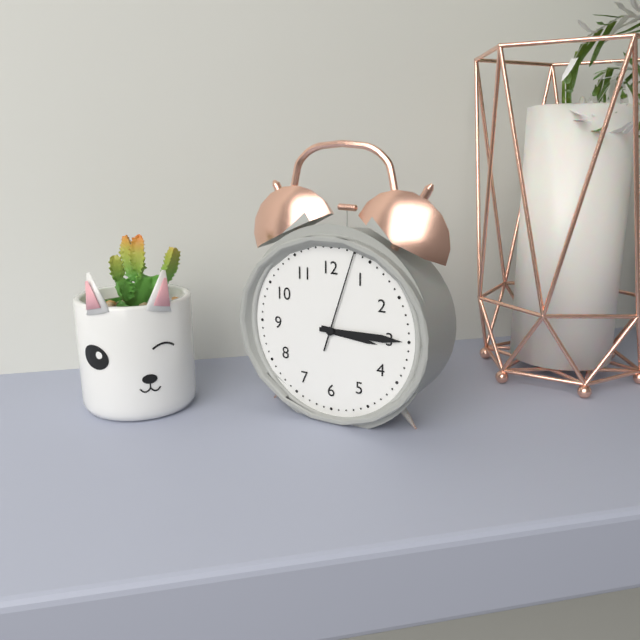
3 h 15 min 03 s
